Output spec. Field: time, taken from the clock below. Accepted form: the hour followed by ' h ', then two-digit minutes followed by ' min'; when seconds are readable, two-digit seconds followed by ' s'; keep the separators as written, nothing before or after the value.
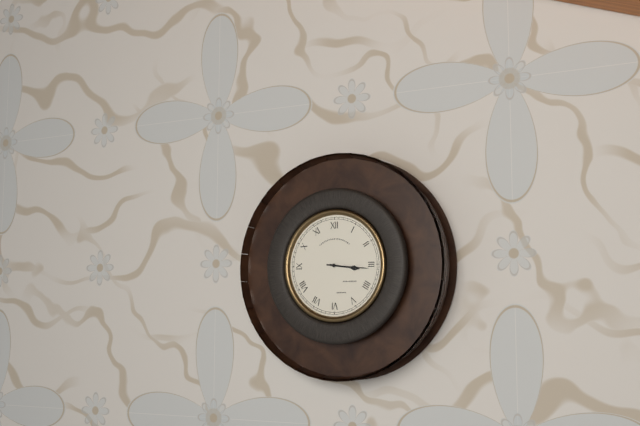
3 h 16 min
